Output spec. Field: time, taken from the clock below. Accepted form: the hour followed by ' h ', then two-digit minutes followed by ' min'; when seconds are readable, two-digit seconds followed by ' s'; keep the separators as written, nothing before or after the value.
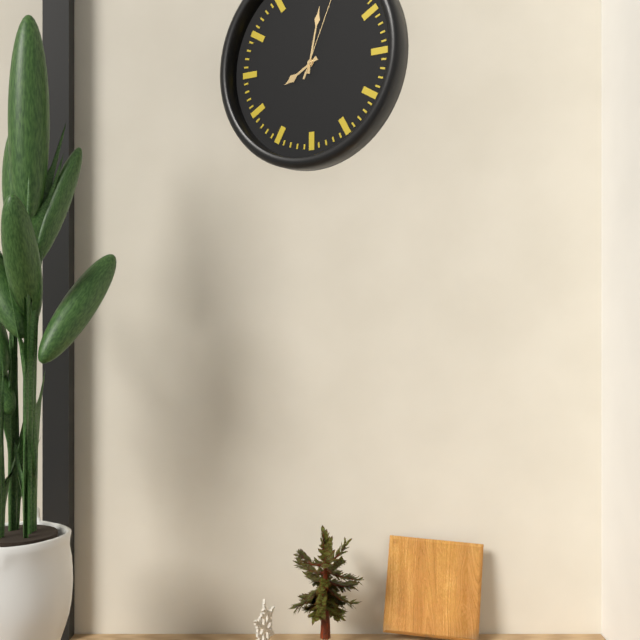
8 h 02 min
